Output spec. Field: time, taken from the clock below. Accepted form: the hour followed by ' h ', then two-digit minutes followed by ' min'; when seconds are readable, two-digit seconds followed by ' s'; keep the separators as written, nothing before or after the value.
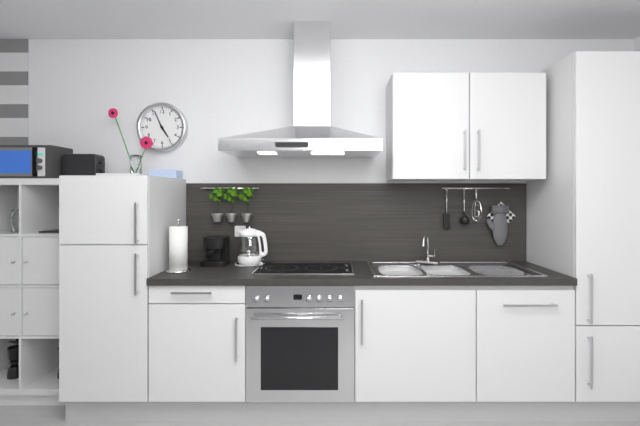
4 h 56 min
